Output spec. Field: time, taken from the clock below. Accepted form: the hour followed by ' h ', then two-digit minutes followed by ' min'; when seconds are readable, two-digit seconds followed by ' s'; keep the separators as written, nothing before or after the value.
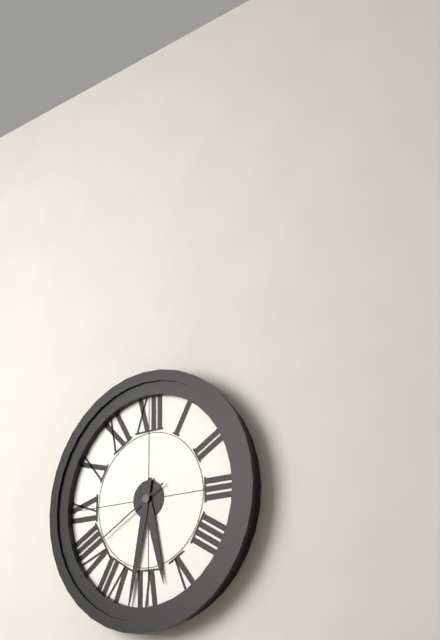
5 h 32 min 40 s
